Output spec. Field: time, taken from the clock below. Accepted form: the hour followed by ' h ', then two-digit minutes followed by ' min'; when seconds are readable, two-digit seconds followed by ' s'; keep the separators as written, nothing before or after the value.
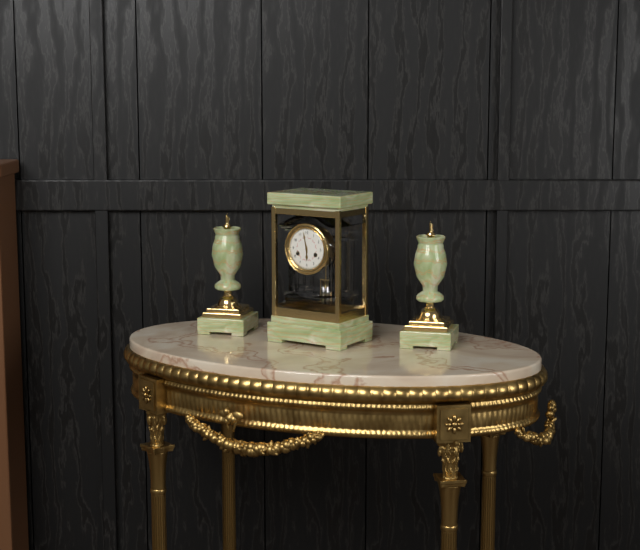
5 h 58 min
